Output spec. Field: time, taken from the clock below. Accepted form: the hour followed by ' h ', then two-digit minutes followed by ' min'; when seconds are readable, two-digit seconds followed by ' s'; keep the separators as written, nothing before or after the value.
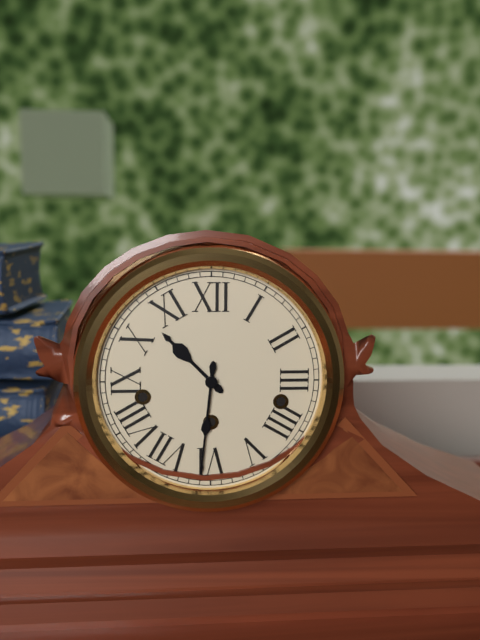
10 h 31 min
